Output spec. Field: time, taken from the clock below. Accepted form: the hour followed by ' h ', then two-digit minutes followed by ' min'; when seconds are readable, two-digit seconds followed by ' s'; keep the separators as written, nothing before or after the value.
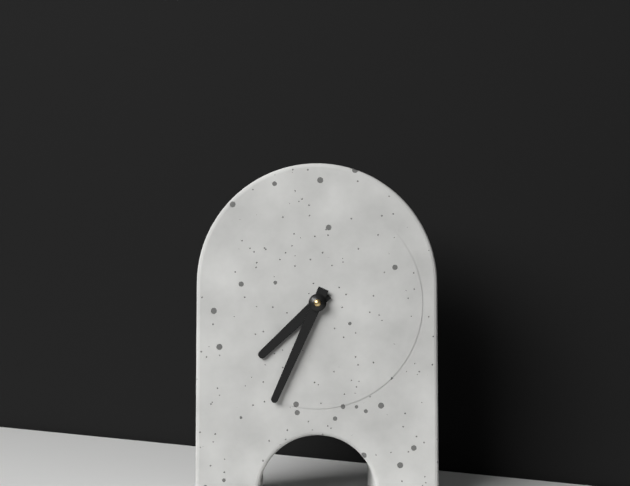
7 h 34 min
